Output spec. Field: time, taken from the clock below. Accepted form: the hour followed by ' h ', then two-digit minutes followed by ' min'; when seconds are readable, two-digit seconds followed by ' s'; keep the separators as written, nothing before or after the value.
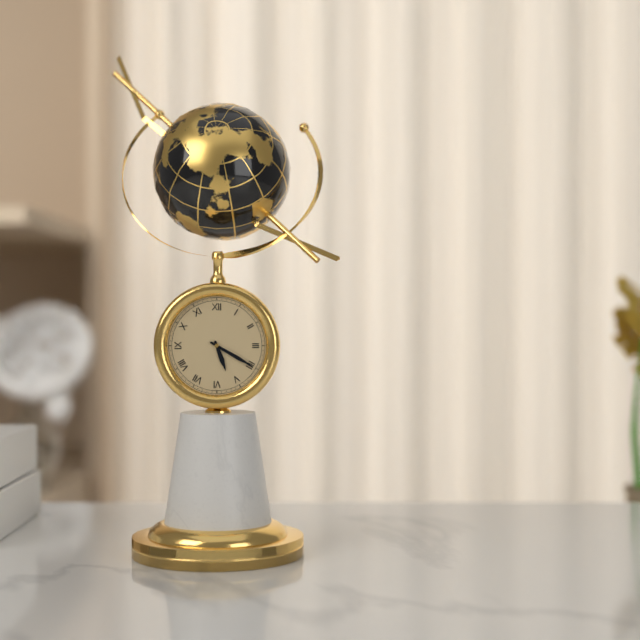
5 h 20 min
